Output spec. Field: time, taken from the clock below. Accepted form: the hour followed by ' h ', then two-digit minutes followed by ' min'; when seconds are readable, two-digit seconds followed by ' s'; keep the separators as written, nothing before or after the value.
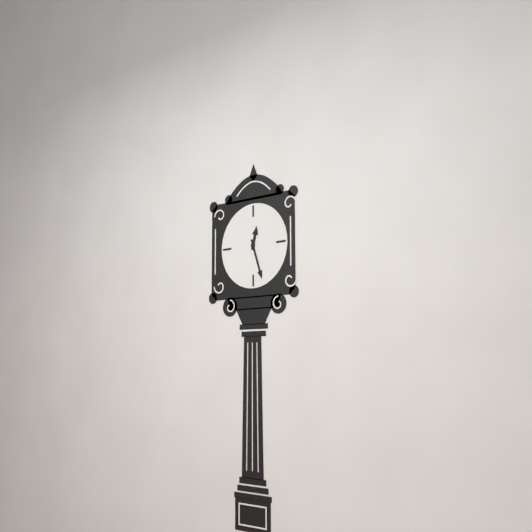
12 h 27 min
